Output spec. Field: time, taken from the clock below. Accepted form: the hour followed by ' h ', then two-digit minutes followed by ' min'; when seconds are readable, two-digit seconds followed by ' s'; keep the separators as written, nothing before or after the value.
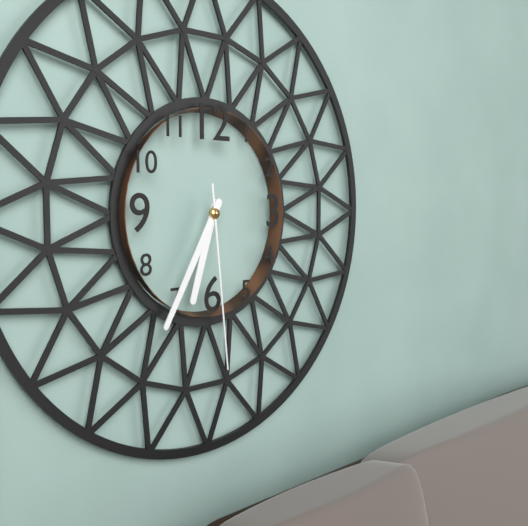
6 h 35 min 29 s
